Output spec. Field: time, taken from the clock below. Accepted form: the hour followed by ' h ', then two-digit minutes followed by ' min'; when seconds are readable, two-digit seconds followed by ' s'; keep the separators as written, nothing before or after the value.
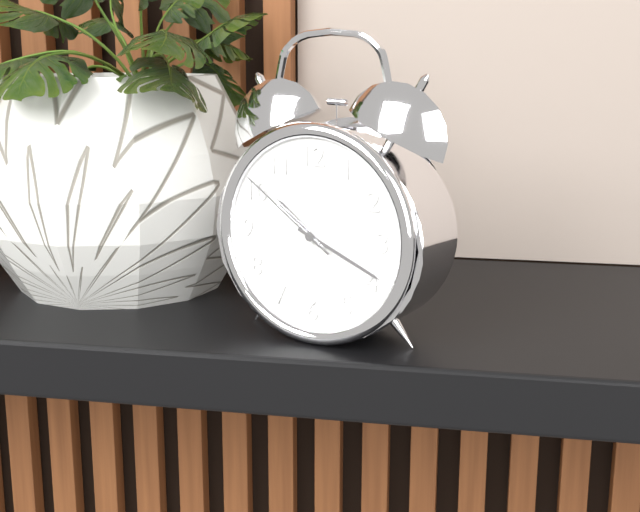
10 h 19 min 51 s
